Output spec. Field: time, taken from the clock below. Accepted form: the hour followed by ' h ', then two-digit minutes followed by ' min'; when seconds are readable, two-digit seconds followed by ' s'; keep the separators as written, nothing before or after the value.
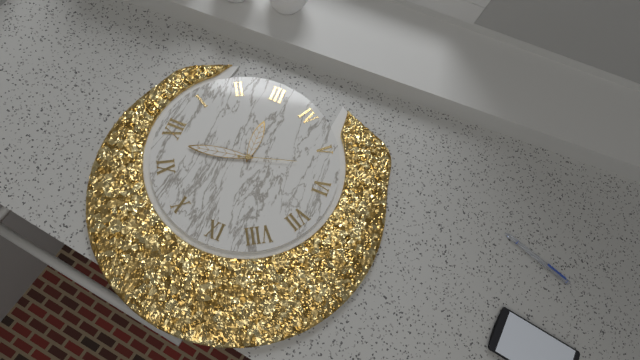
2 h 58 min 27 s
